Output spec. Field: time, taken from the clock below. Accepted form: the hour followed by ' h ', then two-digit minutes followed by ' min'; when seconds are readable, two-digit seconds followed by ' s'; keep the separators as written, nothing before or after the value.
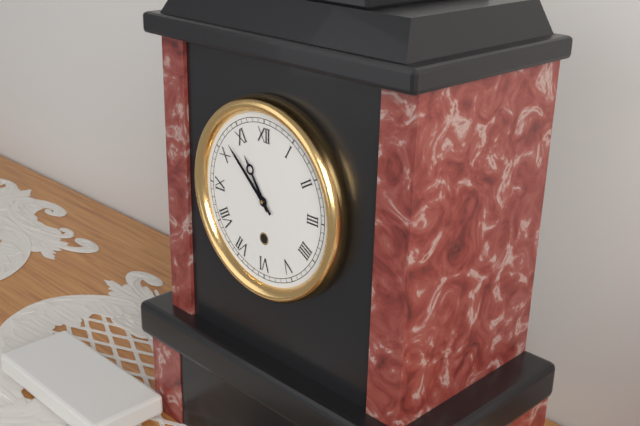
10 h 52 min
